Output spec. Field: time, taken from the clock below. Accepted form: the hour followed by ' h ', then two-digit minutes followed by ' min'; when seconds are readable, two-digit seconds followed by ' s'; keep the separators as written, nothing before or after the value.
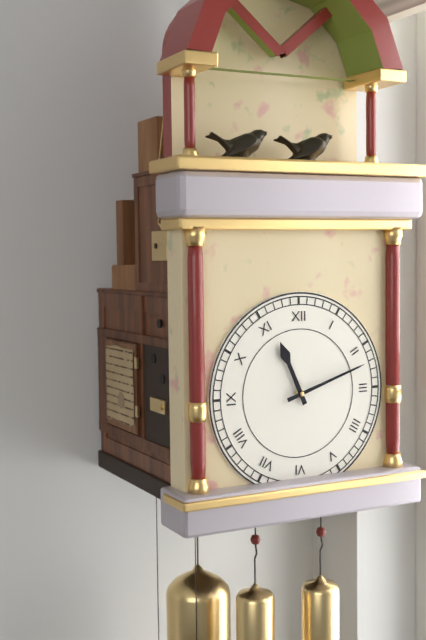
11 h 12 min
